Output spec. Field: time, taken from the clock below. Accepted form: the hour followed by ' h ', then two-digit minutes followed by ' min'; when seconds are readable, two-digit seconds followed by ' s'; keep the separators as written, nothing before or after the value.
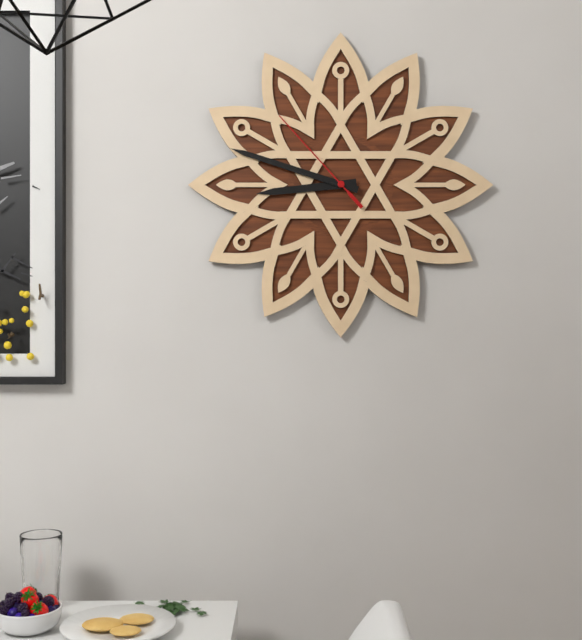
8 h 48 min 53 s
